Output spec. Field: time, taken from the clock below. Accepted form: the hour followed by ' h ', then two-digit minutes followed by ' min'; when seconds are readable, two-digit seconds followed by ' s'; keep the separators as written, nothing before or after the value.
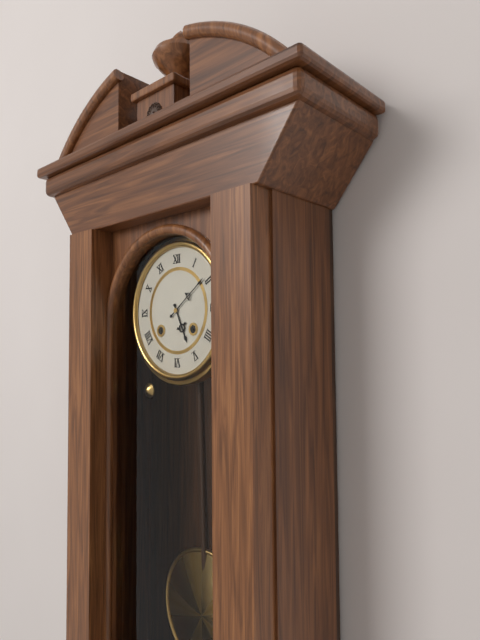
5 h 09 min
